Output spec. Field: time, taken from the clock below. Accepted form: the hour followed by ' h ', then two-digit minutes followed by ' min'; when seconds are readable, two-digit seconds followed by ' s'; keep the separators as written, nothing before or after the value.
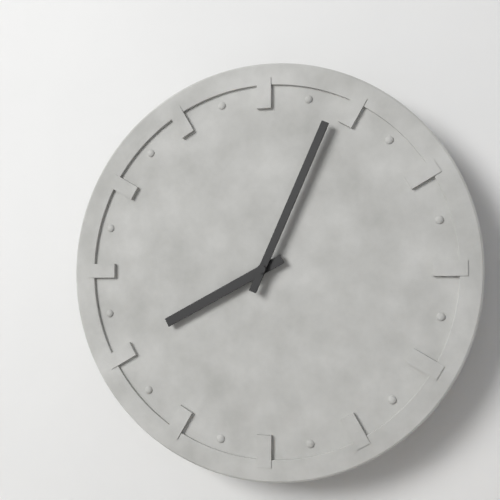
8 h 04 min
